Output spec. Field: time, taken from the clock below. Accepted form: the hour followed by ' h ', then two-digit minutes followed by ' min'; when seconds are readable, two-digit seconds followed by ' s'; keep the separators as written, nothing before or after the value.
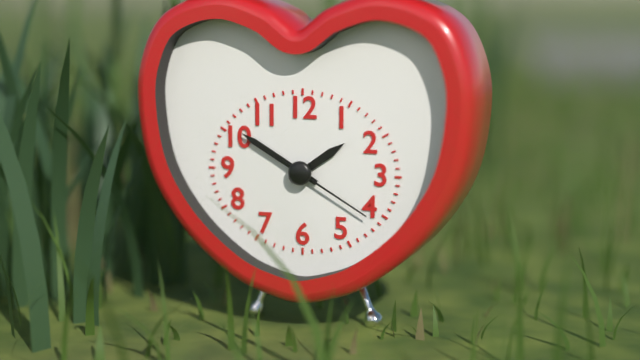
1 h 50 min 20 s
